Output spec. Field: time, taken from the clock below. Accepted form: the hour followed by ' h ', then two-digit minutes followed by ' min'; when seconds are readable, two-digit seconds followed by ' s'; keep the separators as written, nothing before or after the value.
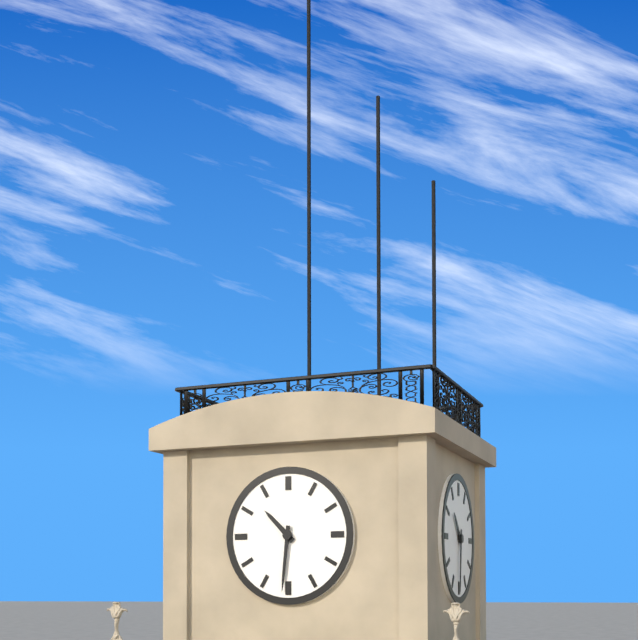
10 h 31 min
